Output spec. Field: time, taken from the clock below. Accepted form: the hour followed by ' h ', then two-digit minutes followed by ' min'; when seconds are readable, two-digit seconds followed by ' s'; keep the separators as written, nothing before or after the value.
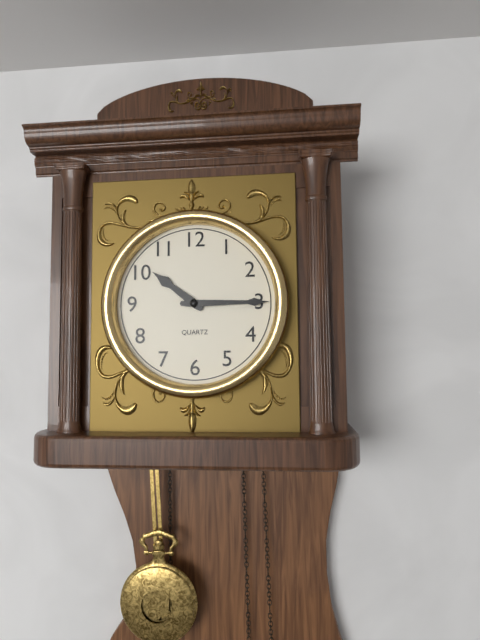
10 h 15 min
